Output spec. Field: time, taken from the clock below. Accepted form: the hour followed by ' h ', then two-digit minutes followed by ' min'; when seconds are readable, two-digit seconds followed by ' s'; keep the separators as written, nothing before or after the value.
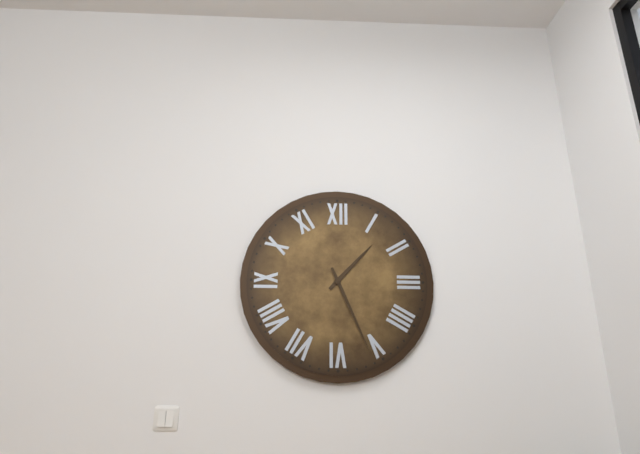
1 h 26 min
